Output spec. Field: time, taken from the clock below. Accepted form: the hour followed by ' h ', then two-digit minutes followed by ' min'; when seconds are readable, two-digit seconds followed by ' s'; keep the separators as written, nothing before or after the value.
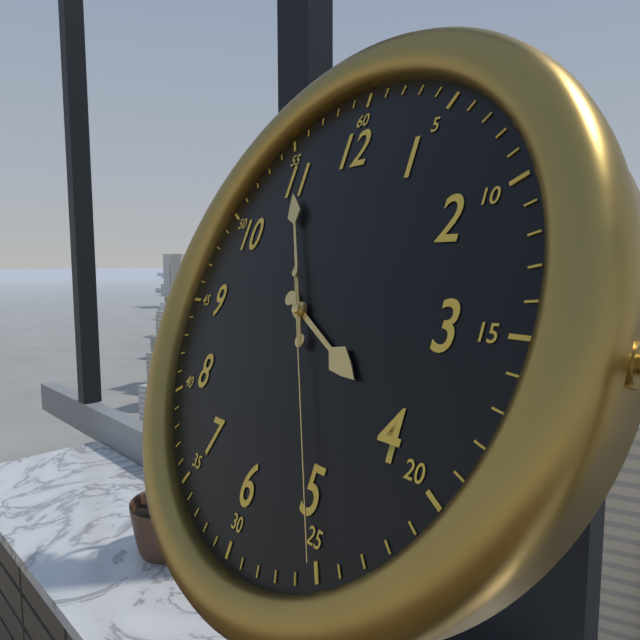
3 h 55 min 25 s
